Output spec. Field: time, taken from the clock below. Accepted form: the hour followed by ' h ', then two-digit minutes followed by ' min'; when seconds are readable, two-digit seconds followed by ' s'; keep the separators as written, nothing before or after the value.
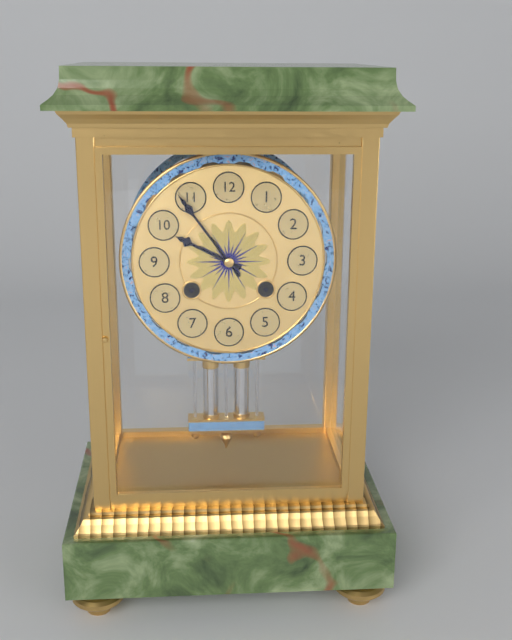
9 h 54 min
